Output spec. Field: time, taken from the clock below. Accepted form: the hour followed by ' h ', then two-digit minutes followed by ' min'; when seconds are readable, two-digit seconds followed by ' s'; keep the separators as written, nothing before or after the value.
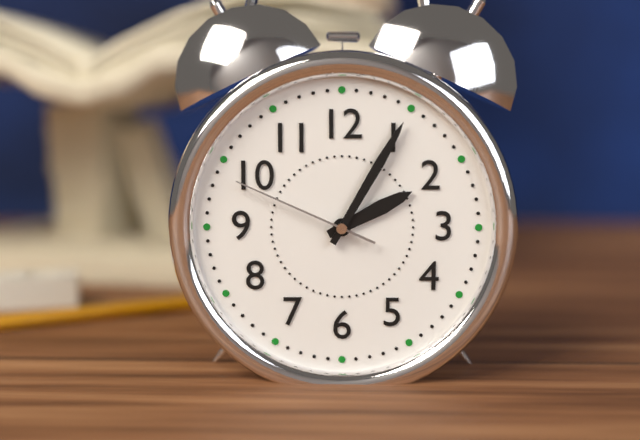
2 h 05 min 49 s
